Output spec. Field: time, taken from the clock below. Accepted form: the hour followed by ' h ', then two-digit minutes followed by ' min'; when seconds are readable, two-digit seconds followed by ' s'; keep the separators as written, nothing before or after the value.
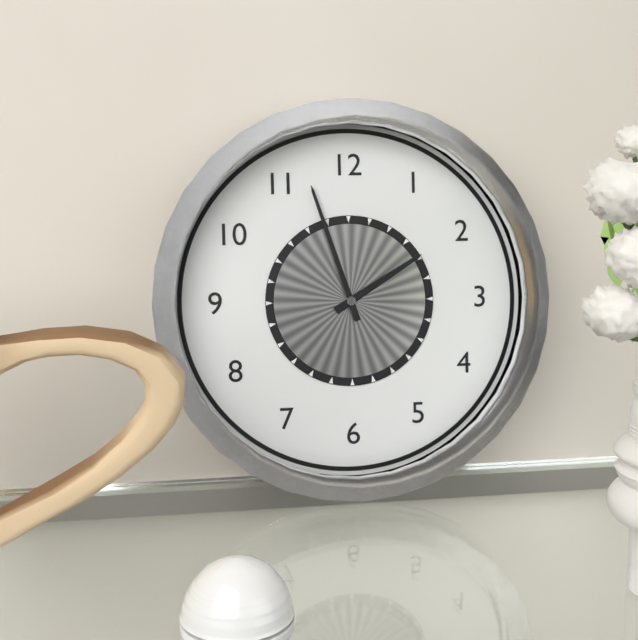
1 h 57 min
